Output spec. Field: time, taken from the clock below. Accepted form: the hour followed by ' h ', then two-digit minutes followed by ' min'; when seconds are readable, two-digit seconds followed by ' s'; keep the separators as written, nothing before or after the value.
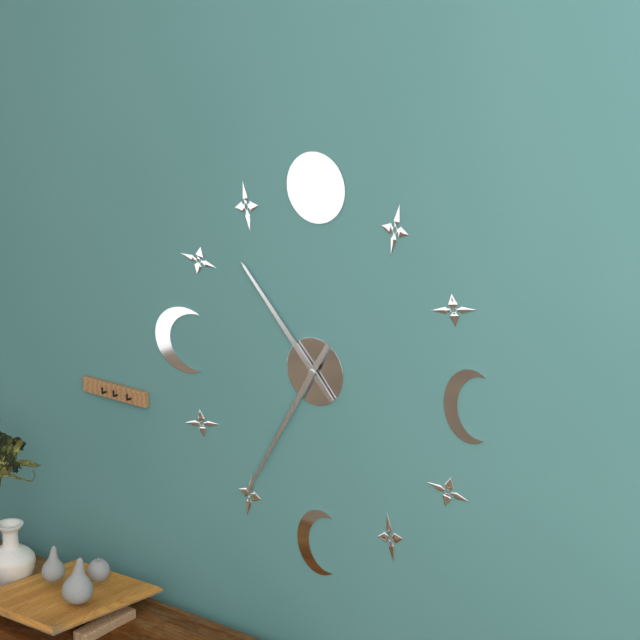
10 h 35 min
